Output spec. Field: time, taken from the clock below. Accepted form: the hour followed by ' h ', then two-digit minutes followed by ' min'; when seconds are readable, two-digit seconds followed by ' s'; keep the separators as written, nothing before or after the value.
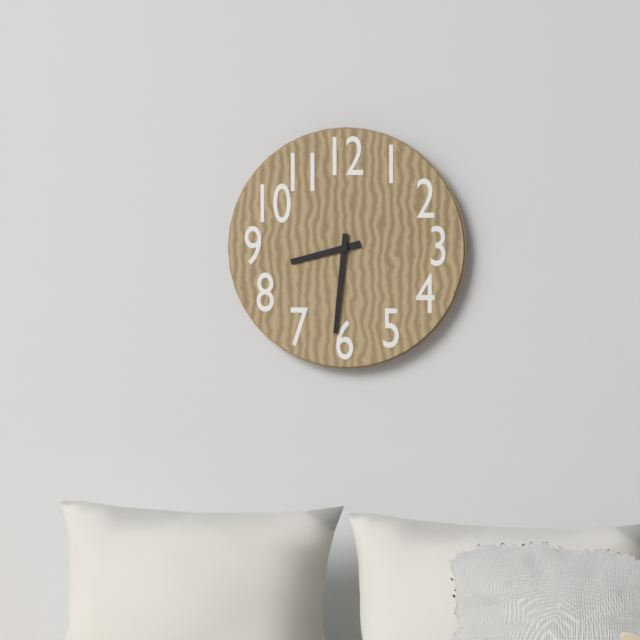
8 h 31 min
